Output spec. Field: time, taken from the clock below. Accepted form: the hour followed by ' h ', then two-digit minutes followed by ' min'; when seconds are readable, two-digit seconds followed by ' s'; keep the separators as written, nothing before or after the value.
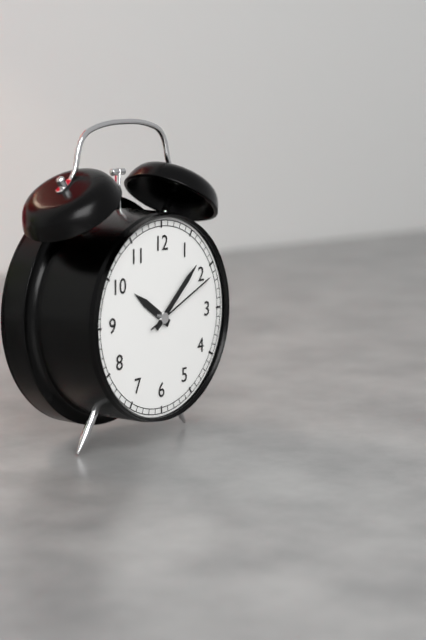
10 h 08 min 11 s
